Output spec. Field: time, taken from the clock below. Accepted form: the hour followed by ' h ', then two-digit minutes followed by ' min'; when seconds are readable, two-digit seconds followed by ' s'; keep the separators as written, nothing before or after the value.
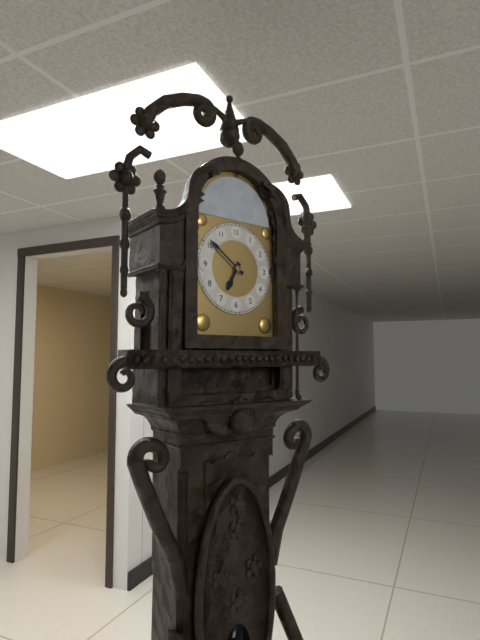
6 h 51 min
